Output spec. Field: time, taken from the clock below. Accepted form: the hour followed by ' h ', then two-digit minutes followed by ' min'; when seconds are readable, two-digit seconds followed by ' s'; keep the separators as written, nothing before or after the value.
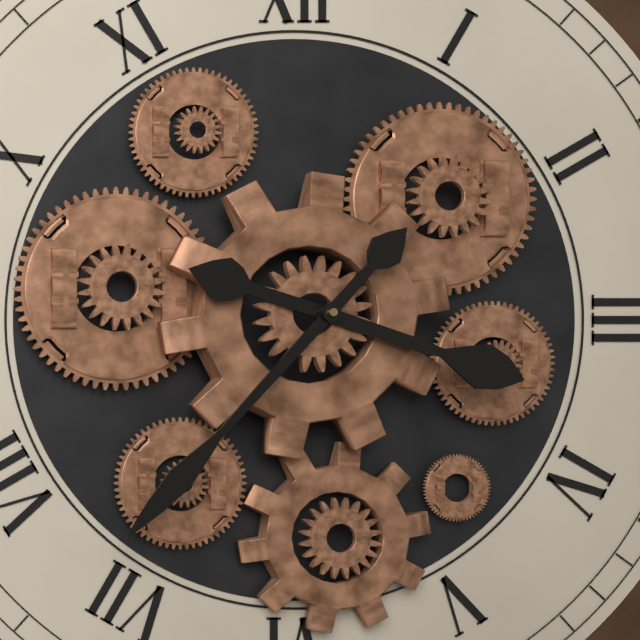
3 h 37 min
